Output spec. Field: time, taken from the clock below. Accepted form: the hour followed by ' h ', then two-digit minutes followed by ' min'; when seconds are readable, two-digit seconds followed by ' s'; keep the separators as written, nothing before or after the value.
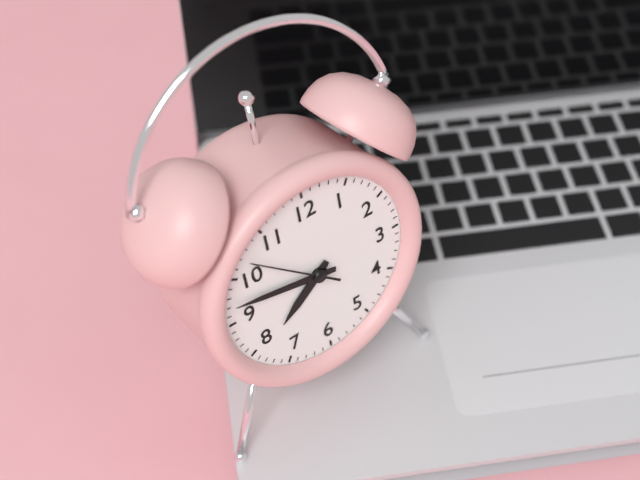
7 h 47 min 52 s
